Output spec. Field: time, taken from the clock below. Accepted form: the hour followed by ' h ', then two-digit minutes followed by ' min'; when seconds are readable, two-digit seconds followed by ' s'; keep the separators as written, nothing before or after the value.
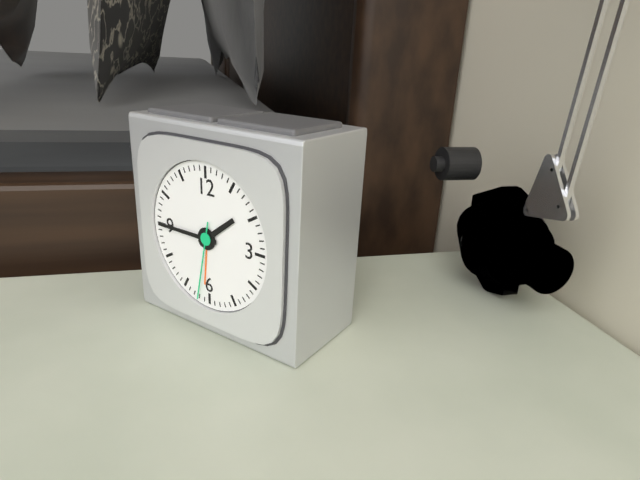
1 h 45 min 32 s
